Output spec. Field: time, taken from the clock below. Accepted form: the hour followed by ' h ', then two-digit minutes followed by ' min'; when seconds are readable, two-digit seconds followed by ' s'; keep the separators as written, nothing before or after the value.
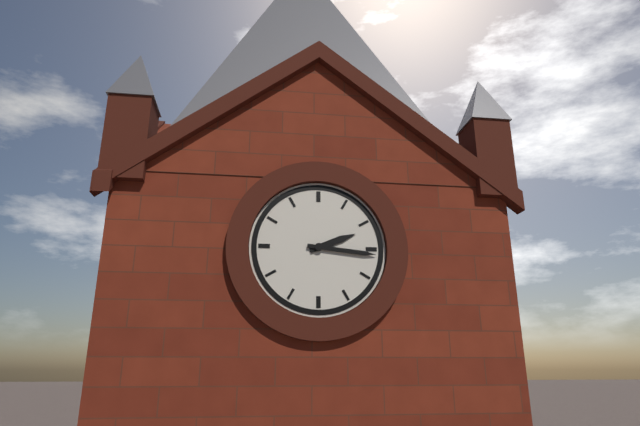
2 h 16 min
